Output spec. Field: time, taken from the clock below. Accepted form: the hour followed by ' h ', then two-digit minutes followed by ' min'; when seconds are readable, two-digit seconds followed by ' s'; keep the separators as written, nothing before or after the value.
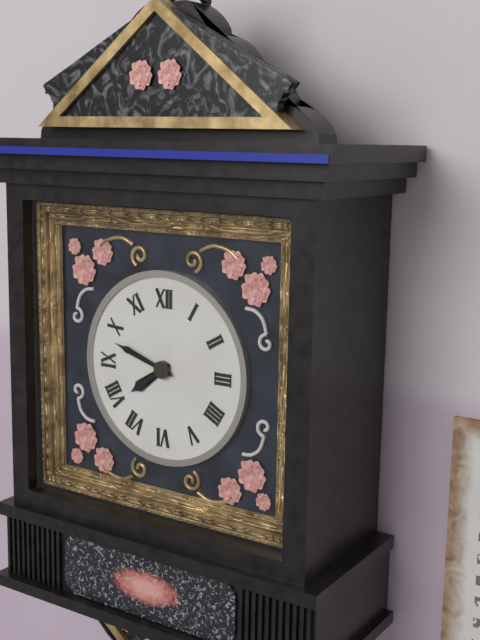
7 h 48 min
